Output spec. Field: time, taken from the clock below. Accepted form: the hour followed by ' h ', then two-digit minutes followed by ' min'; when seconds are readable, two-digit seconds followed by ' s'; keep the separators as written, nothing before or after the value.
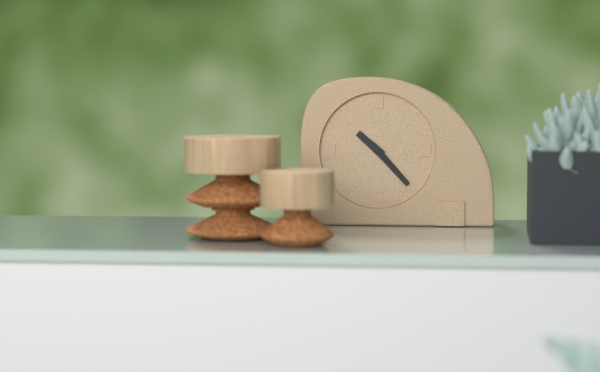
10 h 23 min
